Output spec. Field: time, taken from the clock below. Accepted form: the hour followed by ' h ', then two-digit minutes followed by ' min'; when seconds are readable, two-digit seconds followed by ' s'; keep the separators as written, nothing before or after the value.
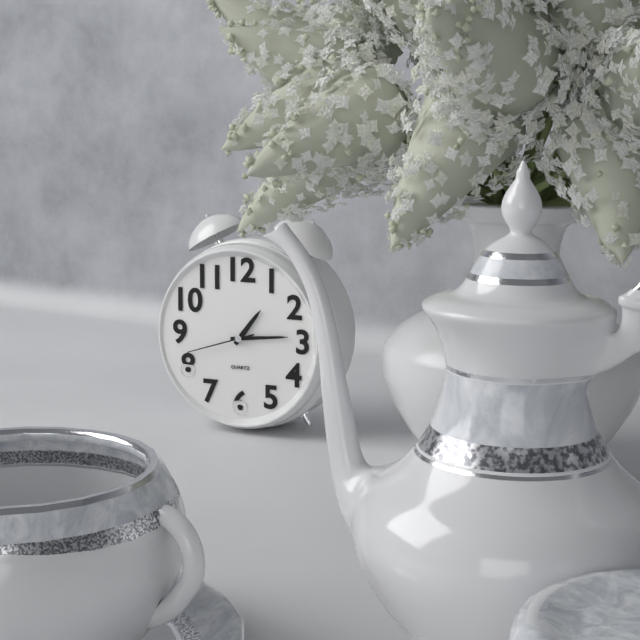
1 h 14 min 42 s
